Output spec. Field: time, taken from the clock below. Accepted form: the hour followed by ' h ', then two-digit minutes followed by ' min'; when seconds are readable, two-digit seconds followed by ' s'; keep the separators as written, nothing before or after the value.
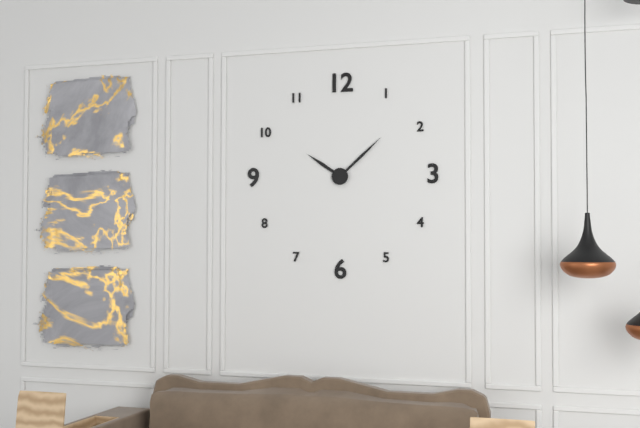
10 h 08 min
